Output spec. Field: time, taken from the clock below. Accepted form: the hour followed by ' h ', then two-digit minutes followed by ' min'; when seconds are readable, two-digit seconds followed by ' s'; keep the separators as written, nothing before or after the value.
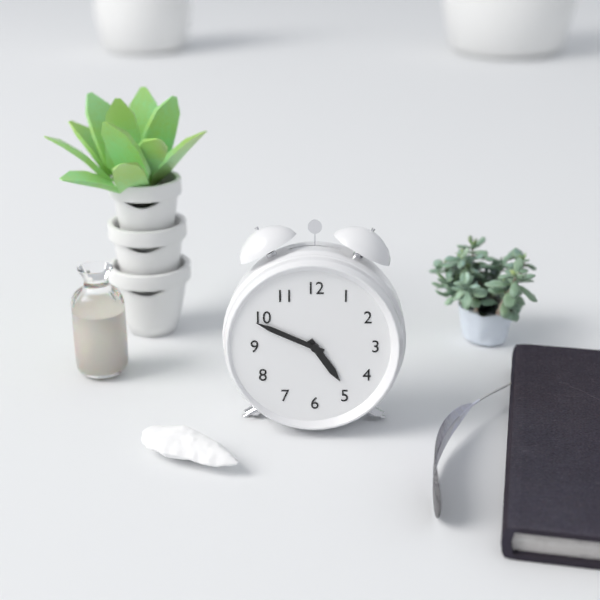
4 h 49 min
